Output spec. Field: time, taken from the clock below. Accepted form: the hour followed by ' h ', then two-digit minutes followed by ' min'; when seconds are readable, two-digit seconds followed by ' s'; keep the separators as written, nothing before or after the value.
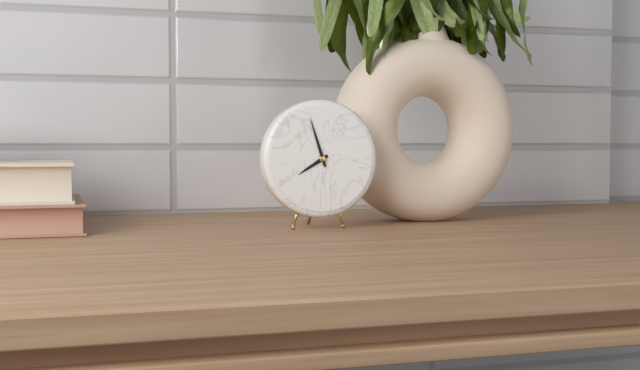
7 h 57 min
